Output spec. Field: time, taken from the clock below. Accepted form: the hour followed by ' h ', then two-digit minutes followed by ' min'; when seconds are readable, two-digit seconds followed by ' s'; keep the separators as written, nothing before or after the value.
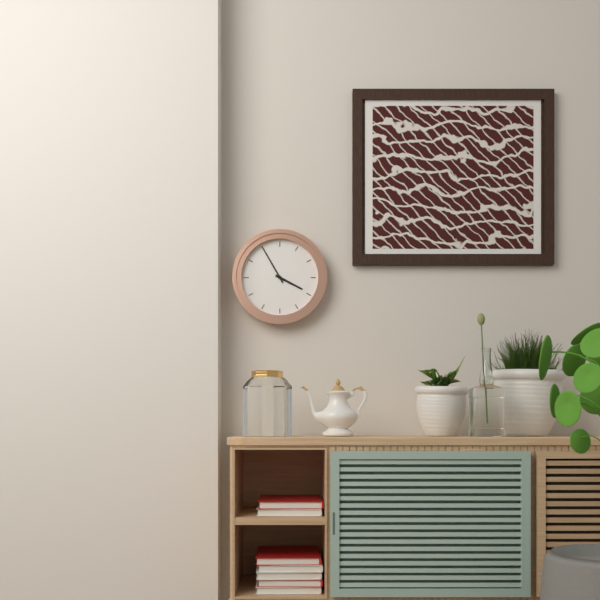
3 h 55 min
